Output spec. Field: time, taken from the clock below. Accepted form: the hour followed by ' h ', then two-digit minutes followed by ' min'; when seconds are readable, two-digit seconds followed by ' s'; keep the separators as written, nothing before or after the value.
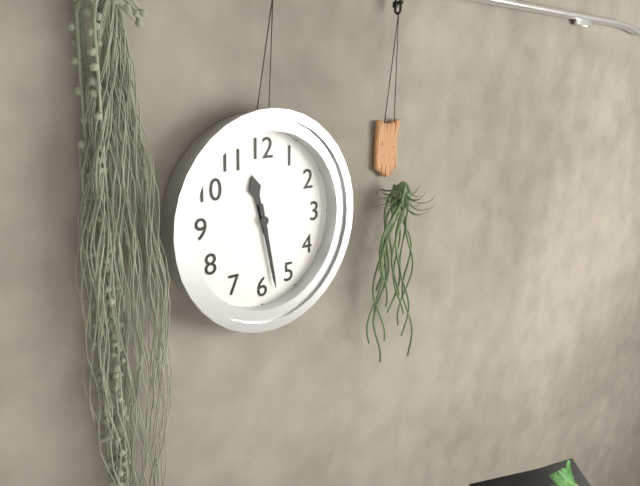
11 h 28 min
